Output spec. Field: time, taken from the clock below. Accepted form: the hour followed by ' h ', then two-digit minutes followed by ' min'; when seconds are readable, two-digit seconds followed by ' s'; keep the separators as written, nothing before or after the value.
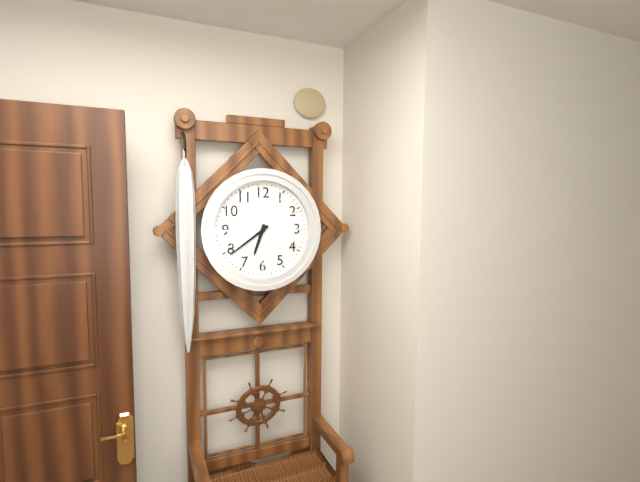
6 h 39 min
